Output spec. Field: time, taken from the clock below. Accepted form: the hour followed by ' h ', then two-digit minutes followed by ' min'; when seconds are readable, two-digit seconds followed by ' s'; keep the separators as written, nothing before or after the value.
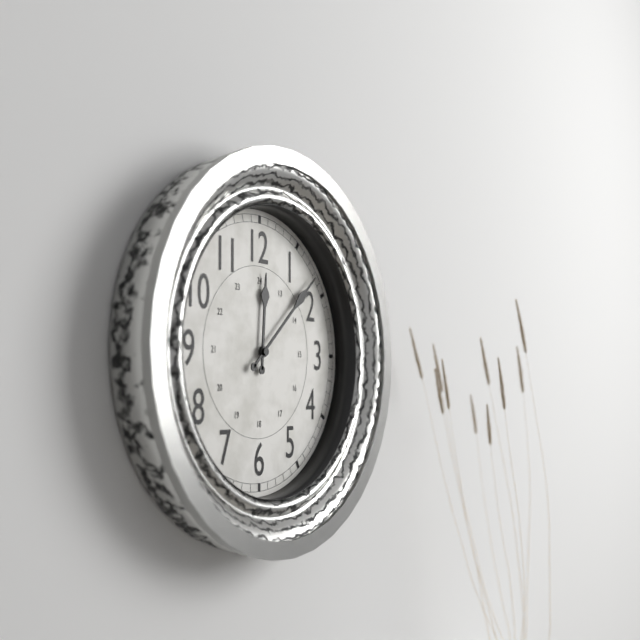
12 h 08 min
